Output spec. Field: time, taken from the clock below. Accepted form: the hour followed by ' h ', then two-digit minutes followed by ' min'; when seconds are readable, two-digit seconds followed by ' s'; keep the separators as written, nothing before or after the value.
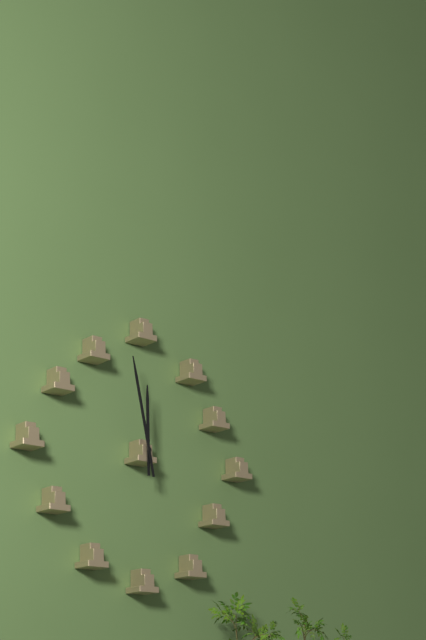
11 h 58 min
